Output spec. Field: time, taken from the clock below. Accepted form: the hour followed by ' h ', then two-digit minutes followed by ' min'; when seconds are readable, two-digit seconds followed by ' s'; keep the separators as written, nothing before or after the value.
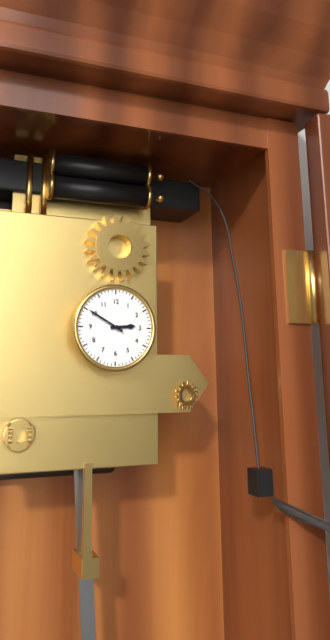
2 h 50 min
